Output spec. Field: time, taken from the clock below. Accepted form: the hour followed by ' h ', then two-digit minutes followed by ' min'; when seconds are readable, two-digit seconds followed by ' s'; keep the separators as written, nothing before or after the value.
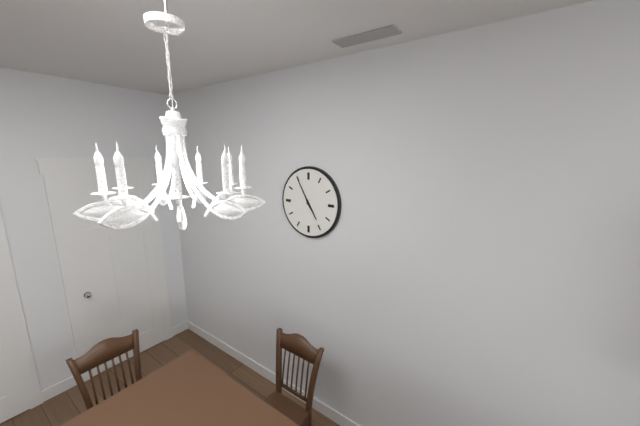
4 h 55 min
